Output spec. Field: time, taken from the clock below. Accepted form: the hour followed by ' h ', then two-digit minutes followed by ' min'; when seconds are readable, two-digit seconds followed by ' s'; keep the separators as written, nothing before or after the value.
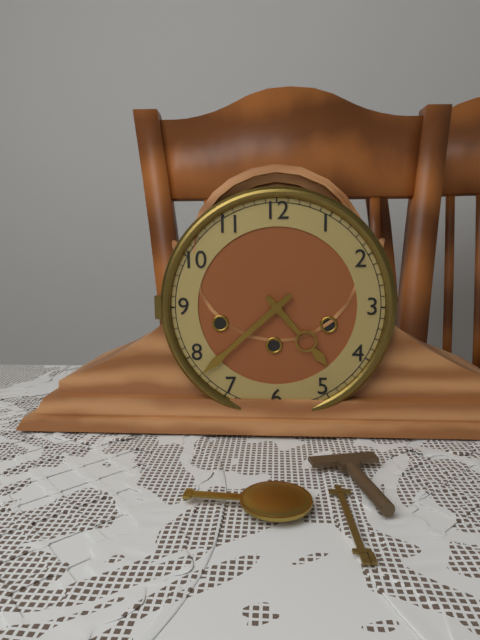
4 h 38 min
